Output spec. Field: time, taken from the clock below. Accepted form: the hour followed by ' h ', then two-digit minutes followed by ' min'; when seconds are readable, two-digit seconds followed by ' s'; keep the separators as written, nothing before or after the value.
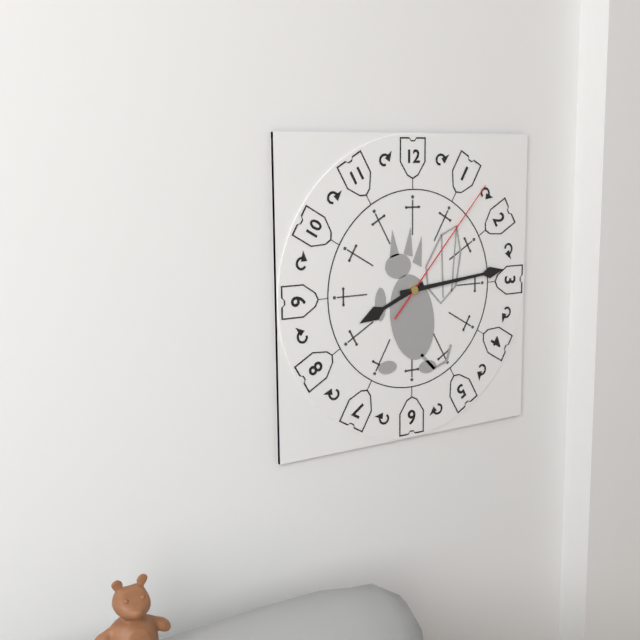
8 h 14 min 07 s
